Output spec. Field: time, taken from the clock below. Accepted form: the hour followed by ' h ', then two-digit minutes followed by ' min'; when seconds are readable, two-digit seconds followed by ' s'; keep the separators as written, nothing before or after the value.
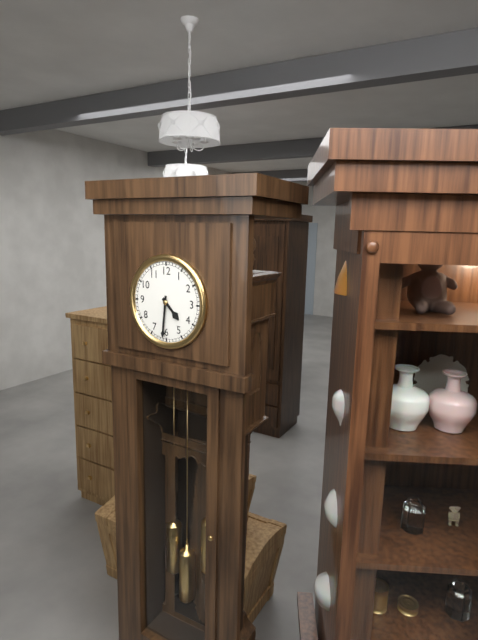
4 h 31 min
